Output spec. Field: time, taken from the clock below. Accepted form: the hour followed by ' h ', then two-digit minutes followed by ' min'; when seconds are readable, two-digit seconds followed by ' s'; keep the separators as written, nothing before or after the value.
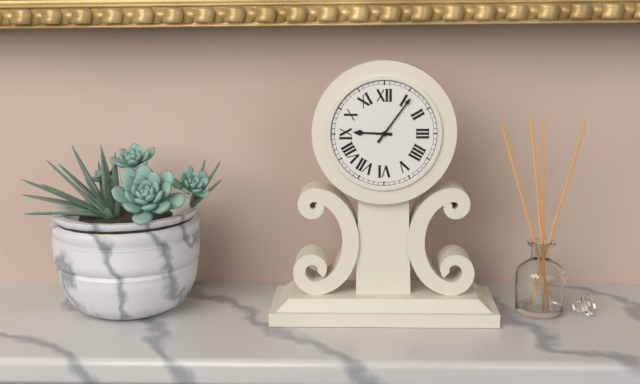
9 h 06 min
